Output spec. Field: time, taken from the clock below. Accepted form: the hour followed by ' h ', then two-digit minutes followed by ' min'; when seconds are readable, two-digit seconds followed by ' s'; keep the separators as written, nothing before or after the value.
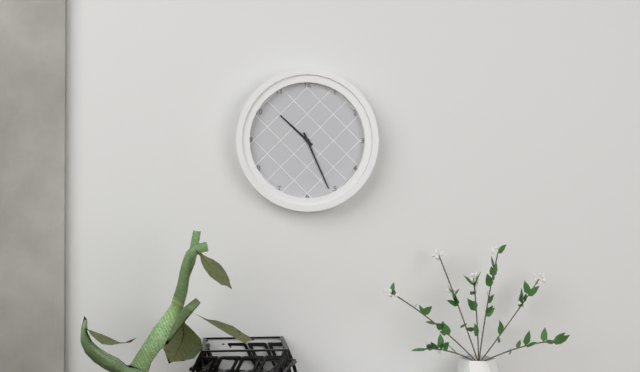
10 h 26 min
